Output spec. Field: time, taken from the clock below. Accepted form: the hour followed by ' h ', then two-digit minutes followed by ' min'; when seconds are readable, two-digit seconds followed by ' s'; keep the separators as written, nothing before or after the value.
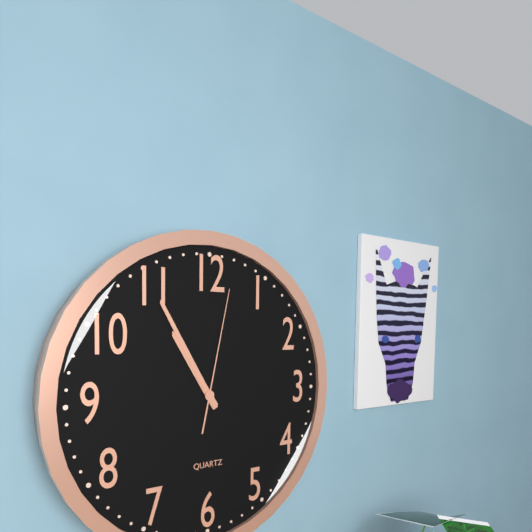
10 h 55 min 02 s
